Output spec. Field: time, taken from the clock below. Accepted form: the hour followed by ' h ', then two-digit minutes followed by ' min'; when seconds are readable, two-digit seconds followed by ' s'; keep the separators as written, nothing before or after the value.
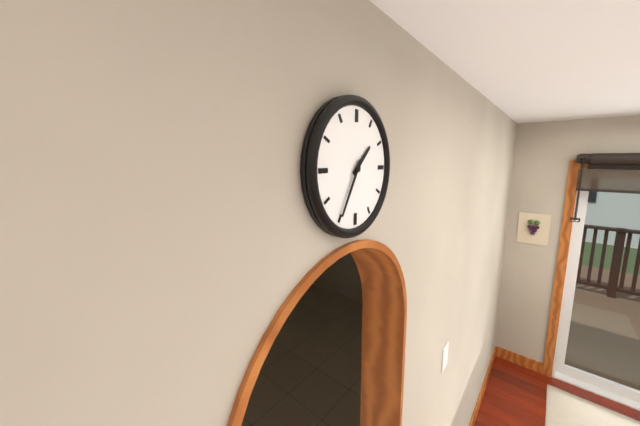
1 h 35 min
